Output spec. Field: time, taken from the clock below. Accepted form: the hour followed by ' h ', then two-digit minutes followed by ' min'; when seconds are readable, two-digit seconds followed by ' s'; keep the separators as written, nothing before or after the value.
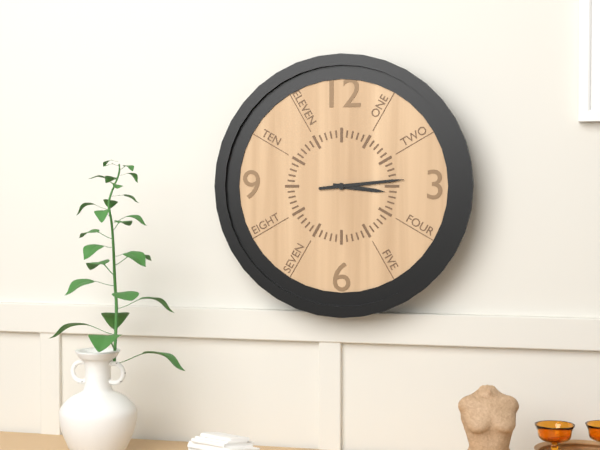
3 h 14 min
